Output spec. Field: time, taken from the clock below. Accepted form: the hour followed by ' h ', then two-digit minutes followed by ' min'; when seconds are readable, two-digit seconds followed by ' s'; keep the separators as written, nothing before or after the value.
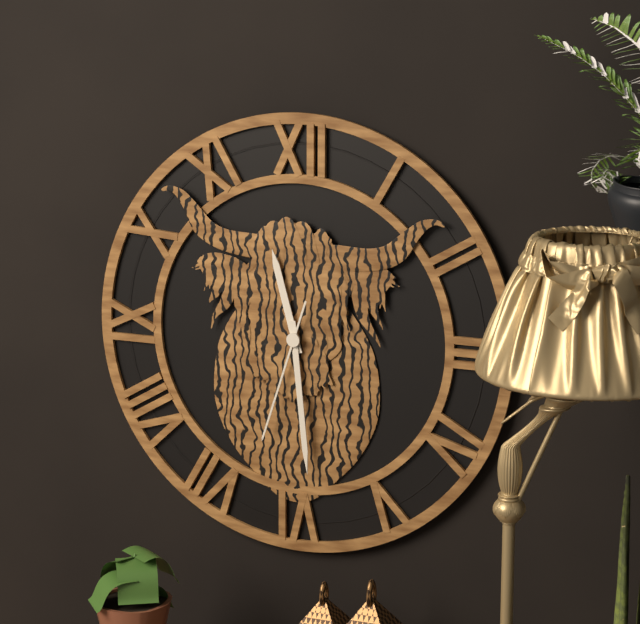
11 h 29 min 33 s
